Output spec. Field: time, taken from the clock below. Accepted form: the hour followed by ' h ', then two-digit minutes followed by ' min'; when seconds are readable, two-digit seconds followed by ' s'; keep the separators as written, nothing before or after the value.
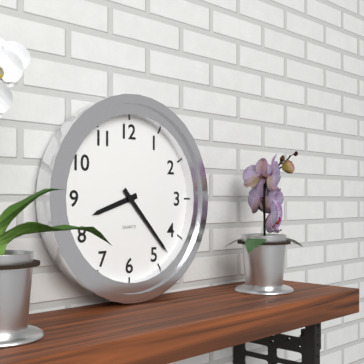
8 h 23 min
